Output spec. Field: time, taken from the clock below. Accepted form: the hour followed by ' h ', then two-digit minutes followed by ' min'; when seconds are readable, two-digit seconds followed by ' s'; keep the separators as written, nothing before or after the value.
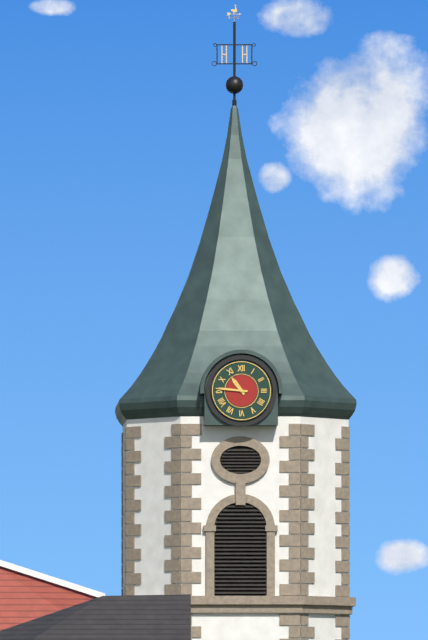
10 h 46 min
